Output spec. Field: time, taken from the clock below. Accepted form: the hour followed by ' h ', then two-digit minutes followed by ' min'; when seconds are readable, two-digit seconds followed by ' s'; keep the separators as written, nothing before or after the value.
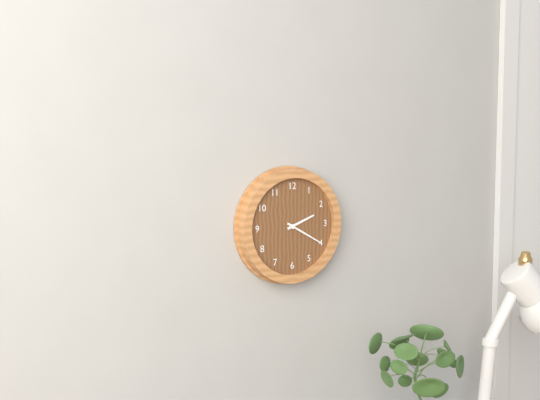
2 h 20 min
